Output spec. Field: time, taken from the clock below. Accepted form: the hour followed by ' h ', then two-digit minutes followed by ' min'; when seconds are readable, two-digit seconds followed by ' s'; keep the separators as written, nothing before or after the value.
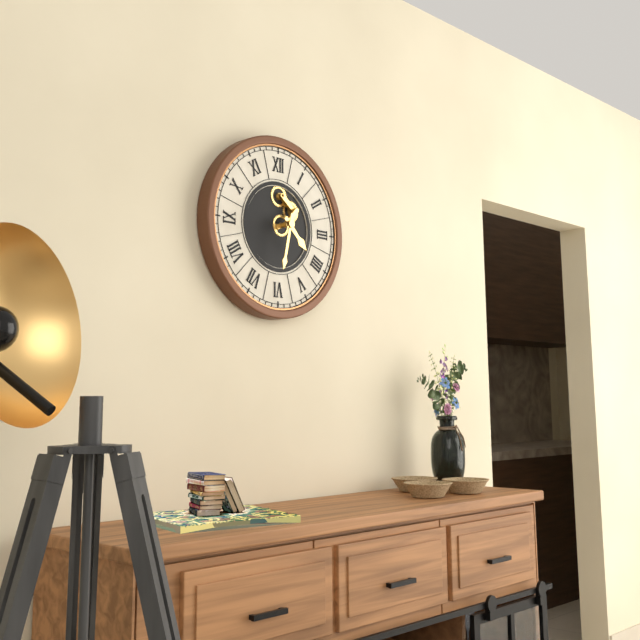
4 h 32 min
